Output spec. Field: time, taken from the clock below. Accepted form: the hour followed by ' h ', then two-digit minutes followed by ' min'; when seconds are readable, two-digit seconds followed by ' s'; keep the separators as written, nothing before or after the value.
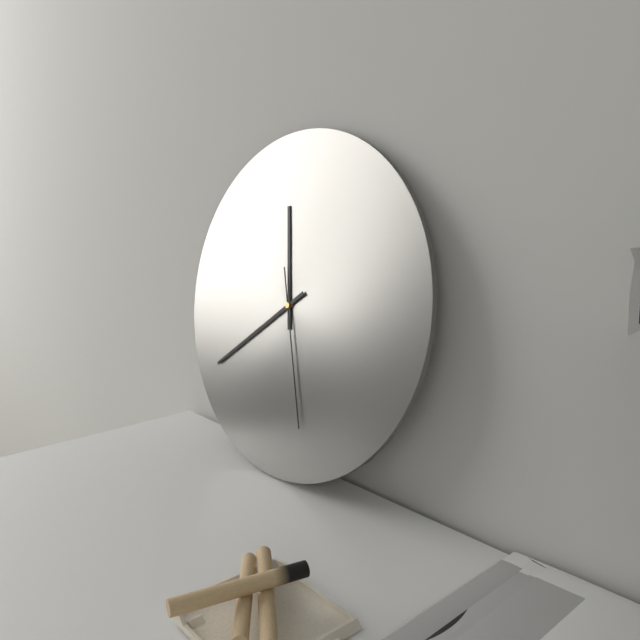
11 h 39 min 27 s
